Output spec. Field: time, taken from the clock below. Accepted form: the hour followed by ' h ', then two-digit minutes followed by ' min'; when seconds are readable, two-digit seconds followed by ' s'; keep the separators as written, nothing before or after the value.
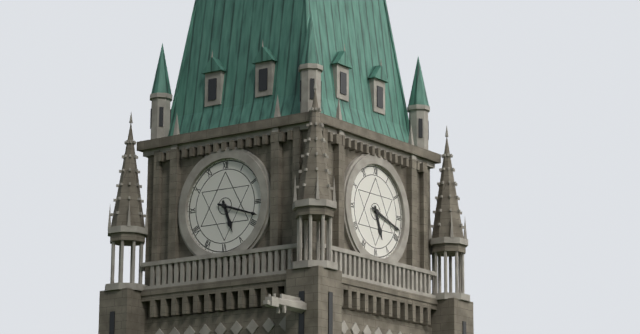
5 h 18 min
